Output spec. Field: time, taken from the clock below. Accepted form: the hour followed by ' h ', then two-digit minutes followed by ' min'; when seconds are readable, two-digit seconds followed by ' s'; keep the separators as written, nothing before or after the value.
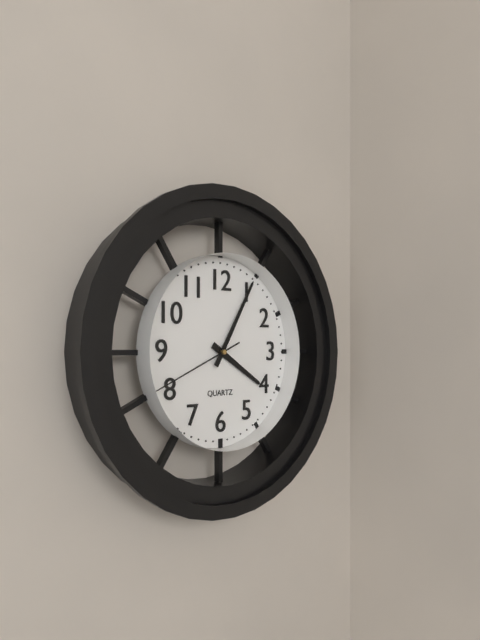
4 h 05 min 41 s
